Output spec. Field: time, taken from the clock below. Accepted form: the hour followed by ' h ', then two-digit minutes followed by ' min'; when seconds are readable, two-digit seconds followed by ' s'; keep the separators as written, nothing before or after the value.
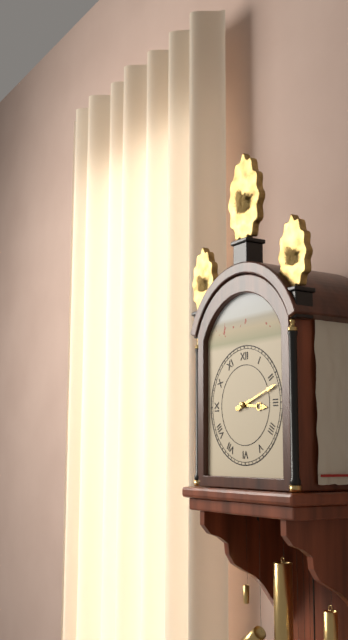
3 h 12 min
